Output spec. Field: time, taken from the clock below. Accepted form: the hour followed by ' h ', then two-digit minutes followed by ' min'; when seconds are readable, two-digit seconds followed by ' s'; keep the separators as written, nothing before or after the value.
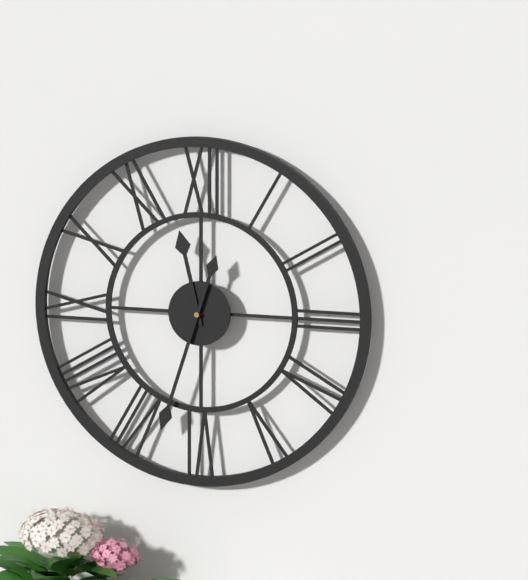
11 h 33 min
